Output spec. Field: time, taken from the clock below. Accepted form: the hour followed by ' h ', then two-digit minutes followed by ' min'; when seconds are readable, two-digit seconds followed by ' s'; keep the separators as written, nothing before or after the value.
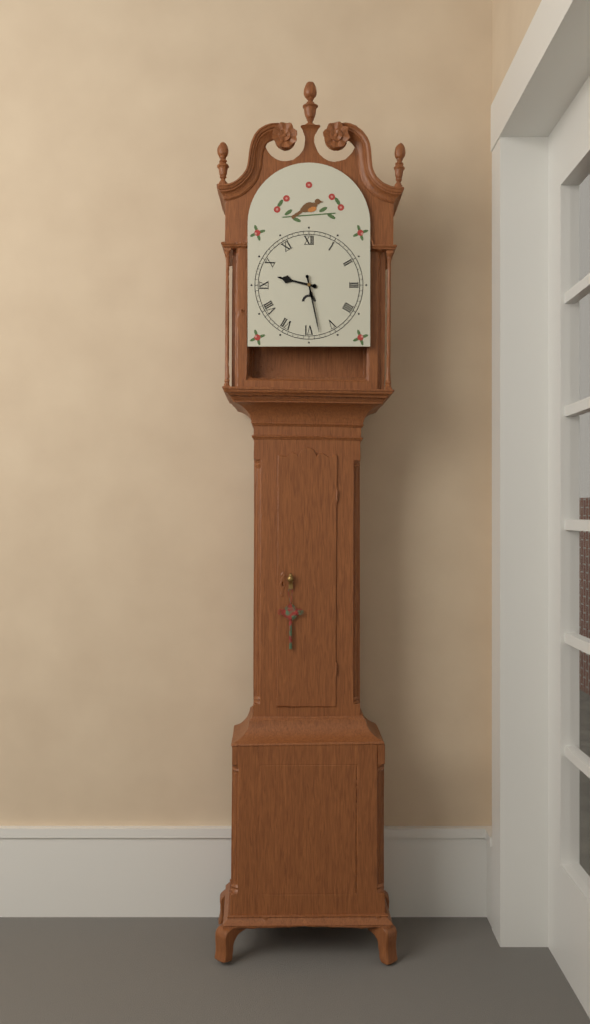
9 h 28 min
